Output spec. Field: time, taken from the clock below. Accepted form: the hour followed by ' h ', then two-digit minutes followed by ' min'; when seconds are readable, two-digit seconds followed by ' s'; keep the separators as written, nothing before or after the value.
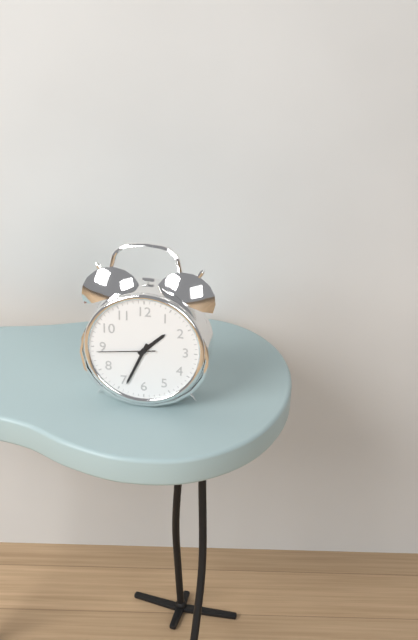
1 h 34 min 44 s
